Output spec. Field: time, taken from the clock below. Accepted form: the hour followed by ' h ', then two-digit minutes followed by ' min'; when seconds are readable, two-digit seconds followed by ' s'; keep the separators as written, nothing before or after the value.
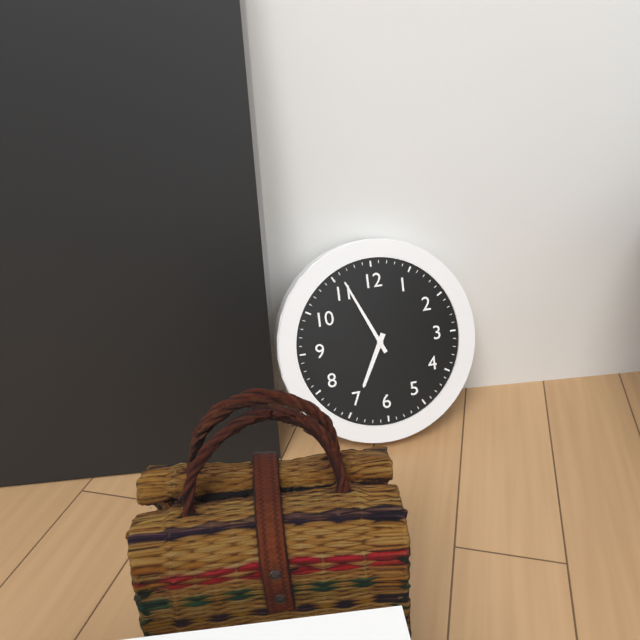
6 h 56 min
